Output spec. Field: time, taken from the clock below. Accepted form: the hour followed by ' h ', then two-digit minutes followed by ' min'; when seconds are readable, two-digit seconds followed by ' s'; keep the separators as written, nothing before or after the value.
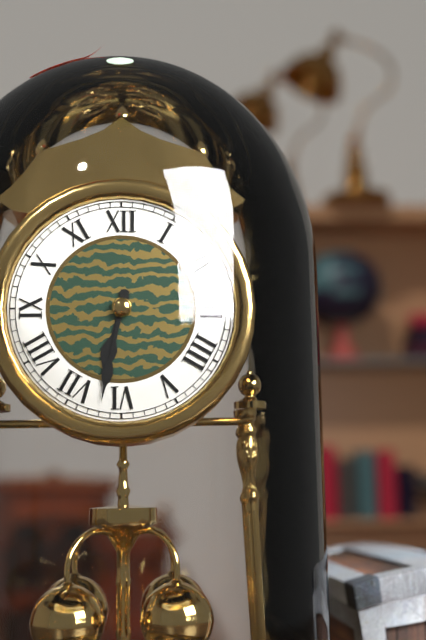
6 h 32 min
